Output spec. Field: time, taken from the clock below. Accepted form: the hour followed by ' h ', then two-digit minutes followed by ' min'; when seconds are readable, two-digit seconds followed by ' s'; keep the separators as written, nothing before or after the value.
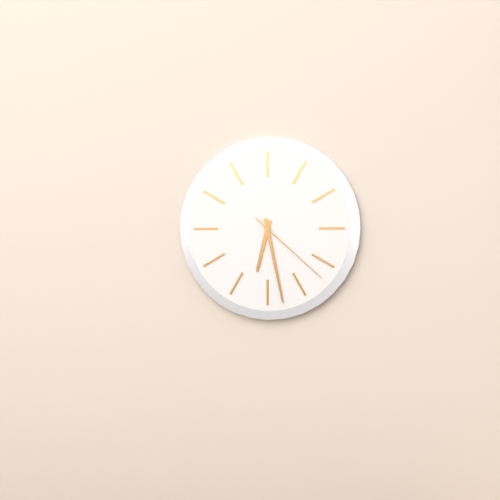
6 h 28 min 22 s
